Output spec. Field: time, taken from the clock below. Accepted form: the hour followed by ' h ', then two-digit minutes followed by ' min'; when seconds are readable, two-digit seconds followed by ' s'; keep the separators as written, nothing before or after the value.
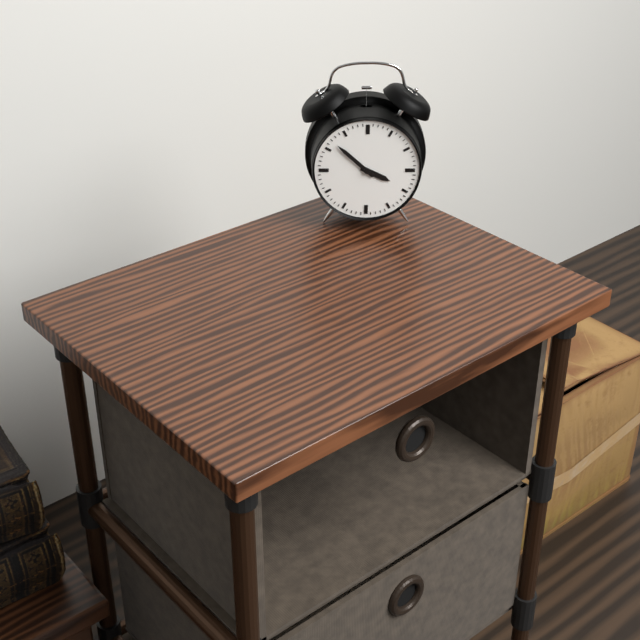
3 h 52 min
